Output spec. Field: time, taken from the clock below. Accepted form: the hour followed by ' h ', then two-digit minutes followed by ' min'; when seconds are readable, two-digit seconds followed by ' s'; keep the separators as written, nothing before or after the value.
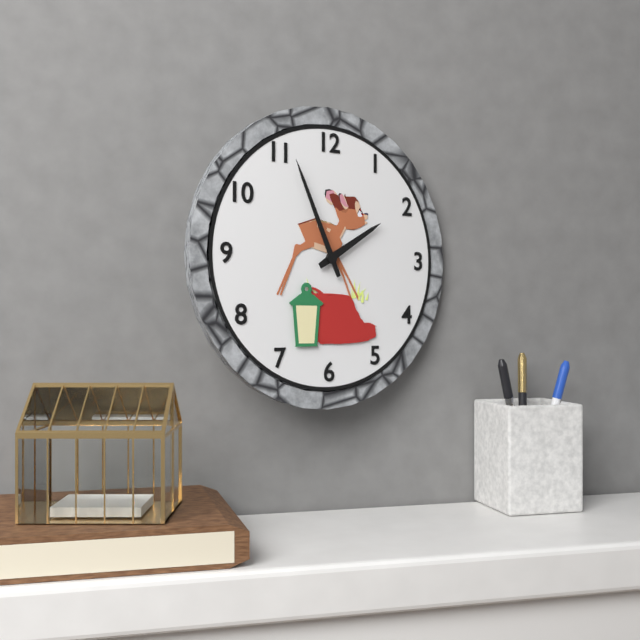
1 h 56 min
